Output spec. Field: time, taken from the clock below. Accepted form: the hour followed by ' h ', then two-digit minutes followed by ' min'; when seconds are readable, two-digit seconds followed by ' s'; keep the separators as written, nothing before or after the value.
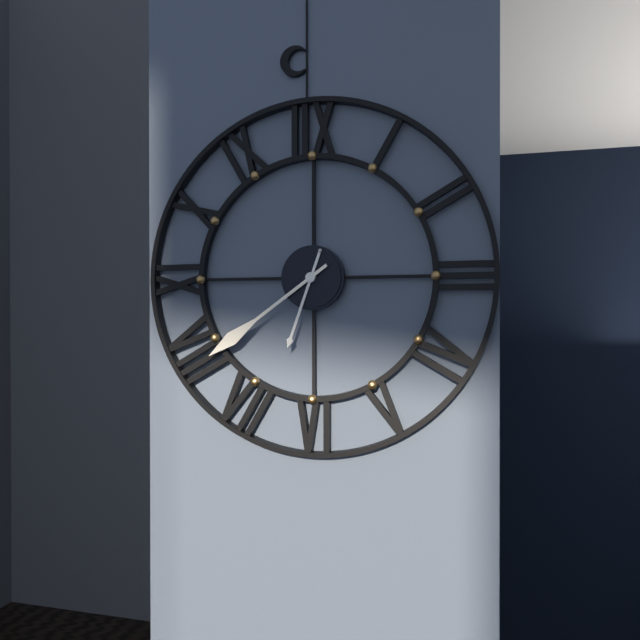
6 h 39 min
